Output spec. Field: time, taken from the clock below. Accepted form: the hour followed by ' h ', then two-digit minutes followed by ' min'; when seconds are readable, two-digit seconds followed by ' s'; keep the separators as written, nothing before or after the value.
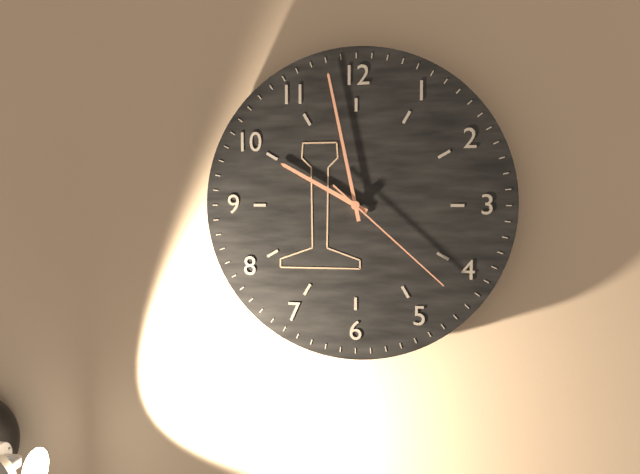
9 h 58 min 22 s
